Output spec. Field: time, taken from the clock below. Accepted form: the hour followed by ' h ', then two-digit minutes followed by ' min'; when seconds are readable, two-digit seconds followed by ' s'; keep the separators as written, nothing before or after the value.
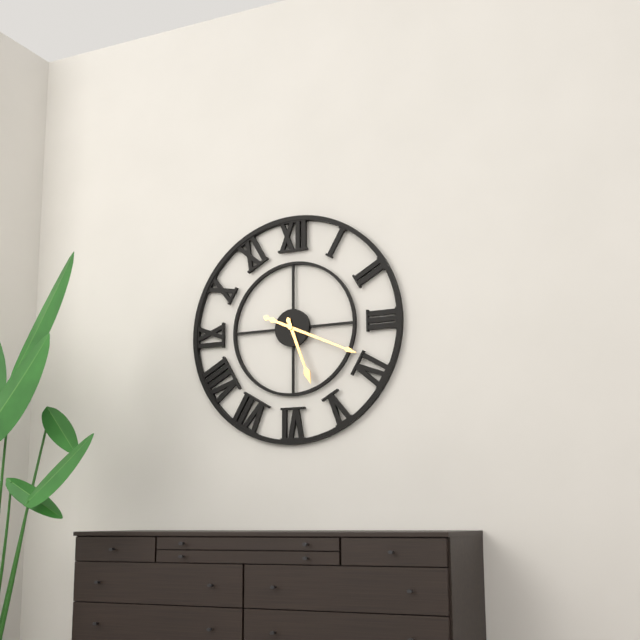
5 h 19 min
